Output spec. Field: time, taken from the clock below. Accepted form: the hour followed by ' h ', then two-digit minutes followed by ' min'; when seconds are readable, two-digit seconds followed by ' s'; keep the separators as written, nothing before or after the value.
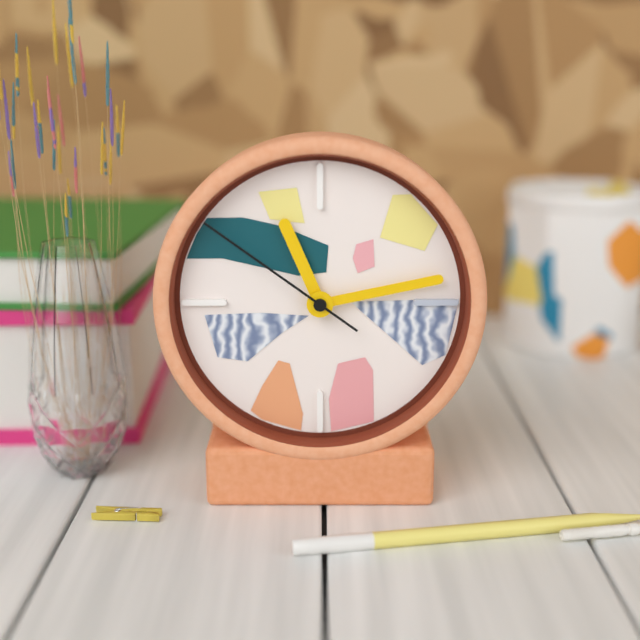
11 h 13 min 51 s
